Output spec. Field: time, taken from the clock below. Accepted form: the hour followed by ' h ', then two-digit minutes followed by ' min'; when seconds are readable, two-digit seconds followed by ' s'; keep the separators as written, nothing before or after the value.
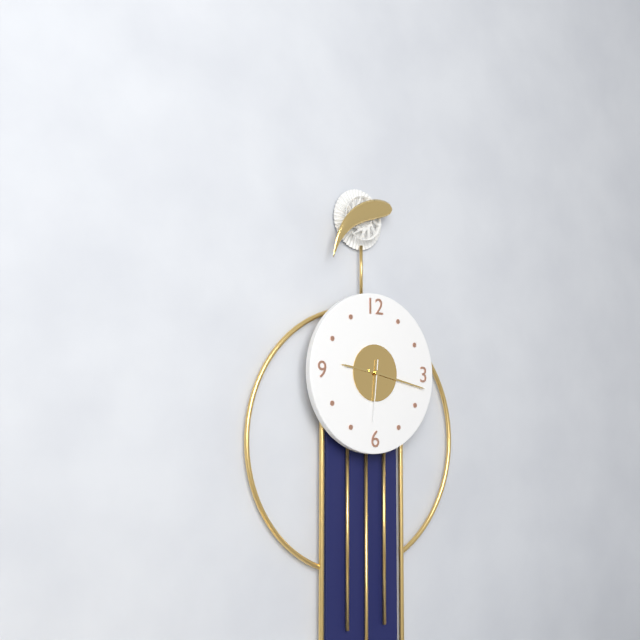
9 h 17 min 31 s
